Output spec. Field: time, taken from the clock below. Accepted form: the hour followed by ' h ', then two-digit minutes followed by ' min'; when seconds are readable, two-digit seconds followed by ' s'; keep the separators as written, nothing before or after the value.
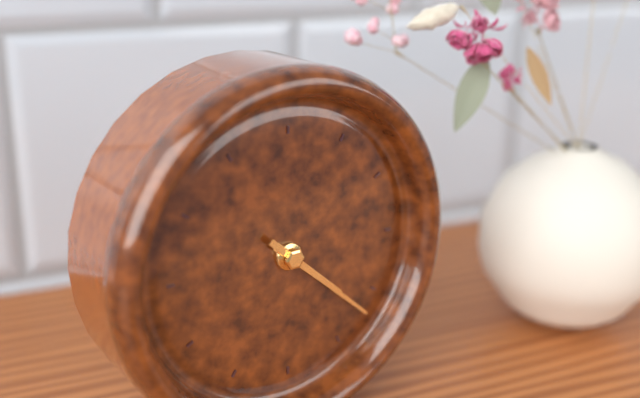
4 h 22 min
